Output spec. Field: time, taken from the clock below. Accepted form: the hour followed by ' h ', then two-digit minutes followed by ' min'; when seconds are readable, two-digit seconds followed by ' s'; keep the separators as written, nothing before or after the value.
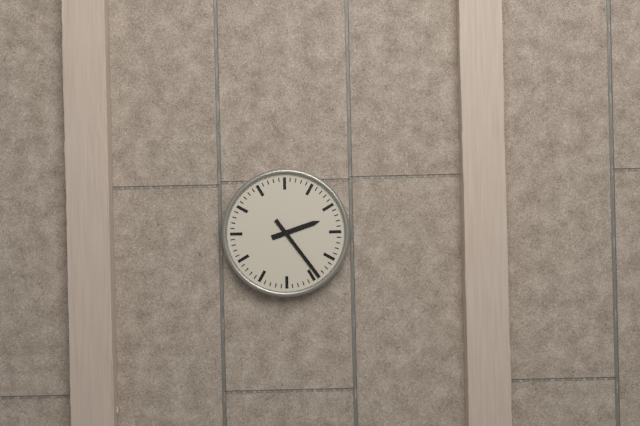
2 h 24 min
